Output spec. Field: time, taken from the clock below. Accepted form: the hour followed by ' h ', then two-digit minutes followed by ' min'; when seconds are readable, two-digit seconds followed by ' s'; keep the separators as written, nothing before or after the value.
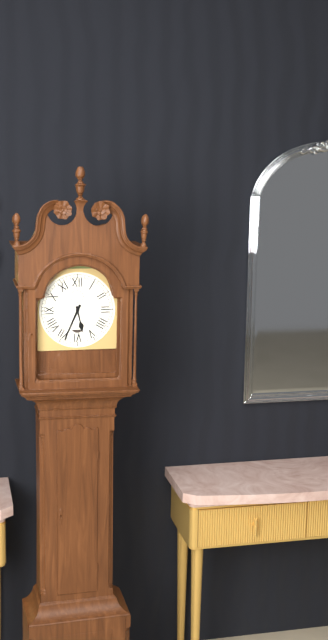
5 h 34 min
